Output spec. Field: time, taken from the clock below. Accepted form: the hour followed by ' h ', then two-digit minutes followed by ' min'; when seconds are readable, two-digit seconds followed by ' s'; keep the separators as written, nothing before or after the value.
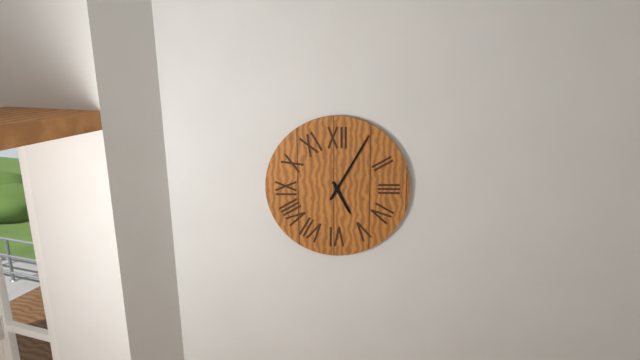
5 h 05 min
